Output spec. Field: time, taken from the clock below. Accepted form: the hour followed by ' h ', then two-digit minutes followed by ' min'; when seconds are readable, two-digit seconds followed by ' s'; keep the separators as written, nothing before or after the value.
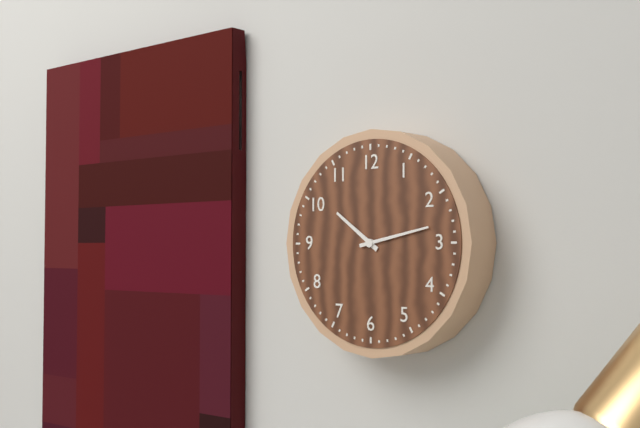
10 h 13 min
